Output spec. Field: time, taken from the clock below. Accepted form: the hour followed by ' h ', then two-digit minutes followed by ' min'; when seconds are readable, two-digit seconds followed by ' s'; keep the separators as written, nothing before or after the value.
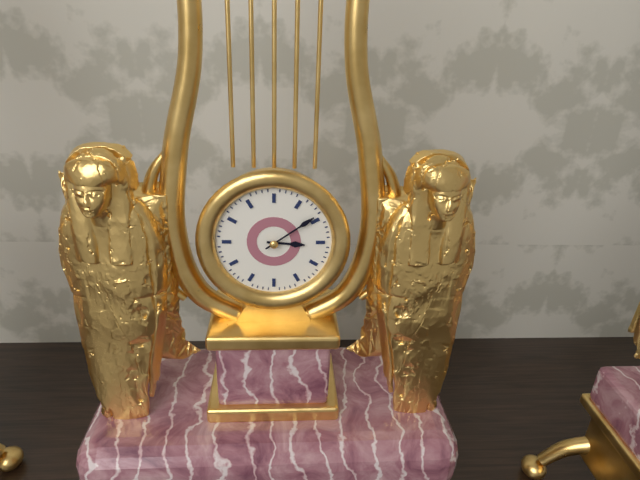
3 h 09 min
